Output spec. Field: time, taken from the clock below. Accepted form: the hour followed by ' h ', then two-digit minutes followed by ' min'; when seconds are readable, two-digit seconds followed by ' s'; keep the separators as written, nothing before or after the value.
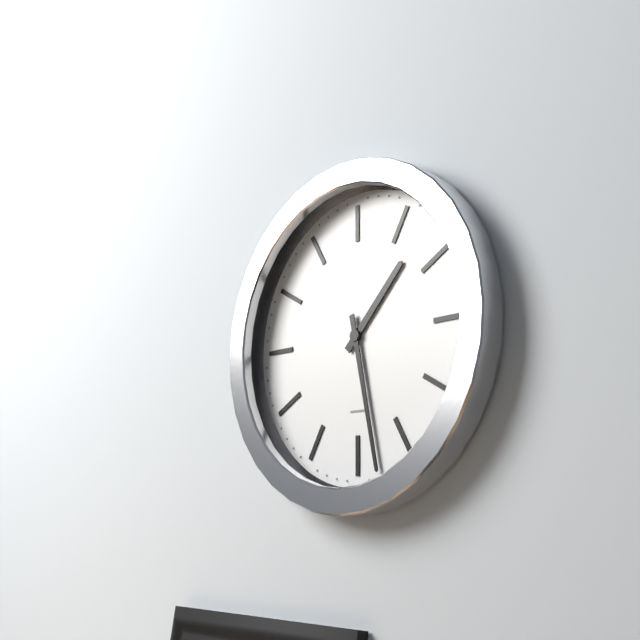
1 h 28 min
